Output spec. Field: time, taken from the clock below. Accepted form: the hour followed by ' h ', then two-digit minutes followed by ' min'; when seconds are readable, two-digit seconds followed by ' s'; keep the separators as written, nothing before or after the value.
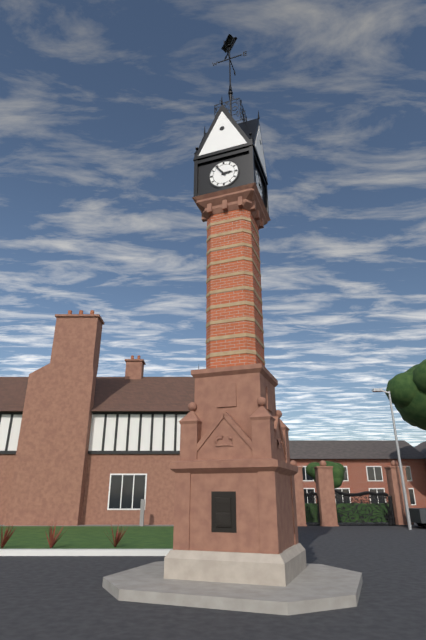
2 h 54 min
